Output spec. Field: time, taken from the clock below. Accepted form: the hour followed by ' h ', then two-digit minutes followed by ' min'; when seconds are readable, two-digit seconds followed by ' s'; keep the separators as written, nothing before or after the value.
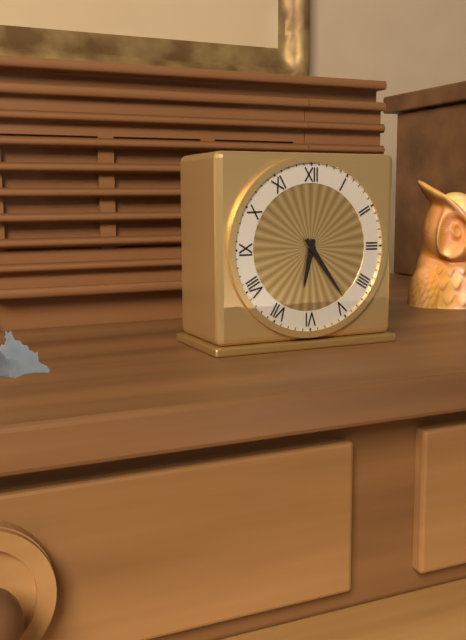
6 h 24 min
